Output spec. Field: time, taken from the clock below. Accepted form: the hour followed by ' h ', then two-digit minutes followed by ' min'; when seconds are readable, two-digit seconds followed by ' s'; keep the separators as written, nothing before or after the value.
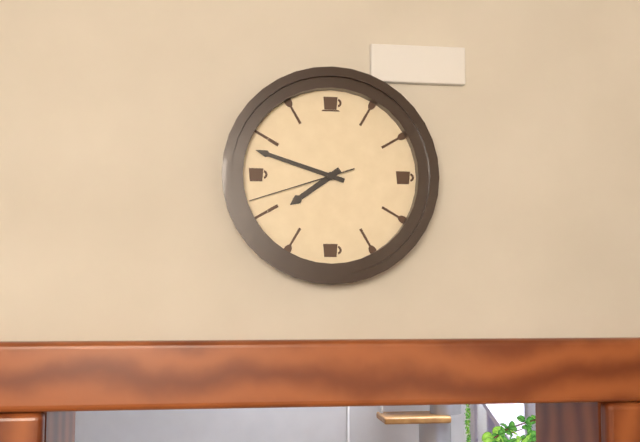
7 h 48 min 42 s
